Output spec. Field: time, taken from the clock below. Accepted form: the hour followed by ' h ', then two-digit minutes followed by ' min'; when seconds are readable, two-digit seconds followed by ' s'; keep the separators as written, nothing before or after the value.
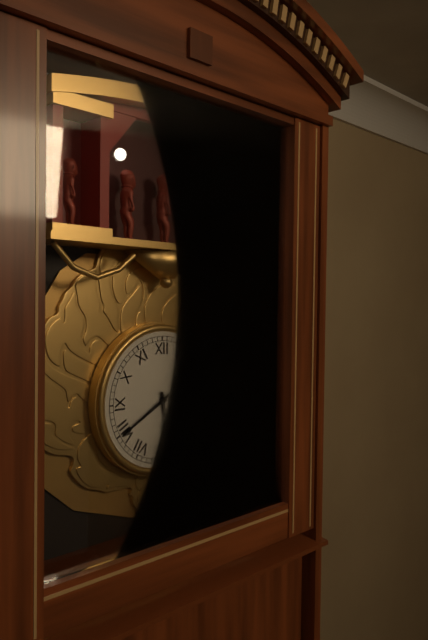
5 h 40 min
